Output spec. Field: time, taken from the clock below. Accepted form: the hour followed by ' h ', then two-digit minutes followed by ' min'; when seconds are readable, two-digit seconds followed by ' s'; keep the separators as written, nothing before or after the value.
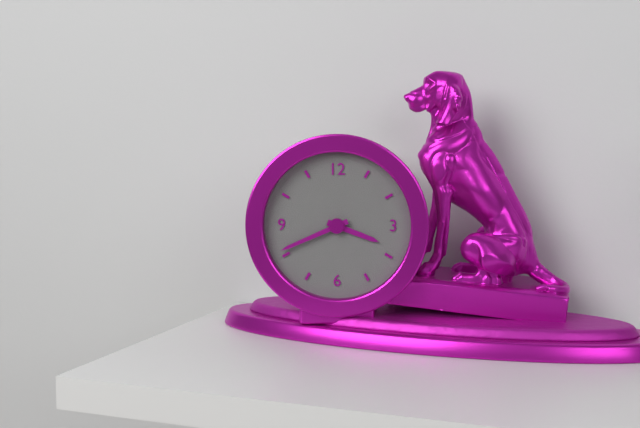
3 h 41 min
